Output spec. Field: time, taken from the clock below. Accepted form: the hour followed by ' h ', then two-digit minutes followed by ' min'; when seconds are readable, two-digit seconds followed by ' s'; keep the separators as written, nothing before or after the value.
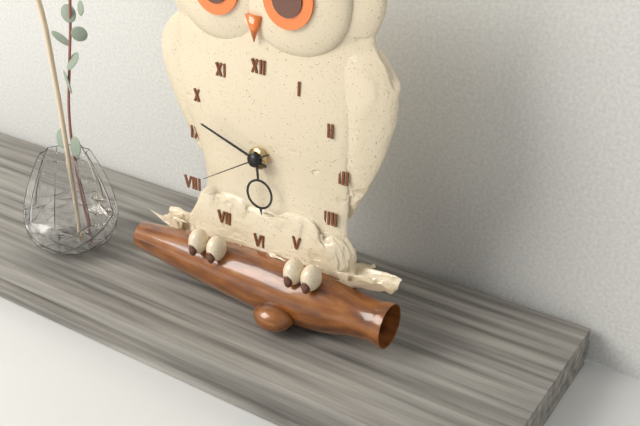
5 h 48 min 40 s
